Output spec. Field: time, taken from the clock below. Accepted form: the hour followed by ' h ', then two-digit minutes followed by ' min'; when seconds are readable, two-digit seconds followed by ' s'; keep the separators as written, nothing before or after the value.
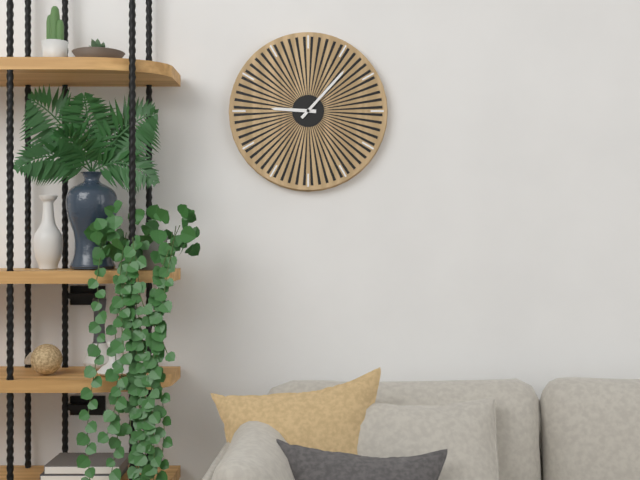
9 h 07 min
